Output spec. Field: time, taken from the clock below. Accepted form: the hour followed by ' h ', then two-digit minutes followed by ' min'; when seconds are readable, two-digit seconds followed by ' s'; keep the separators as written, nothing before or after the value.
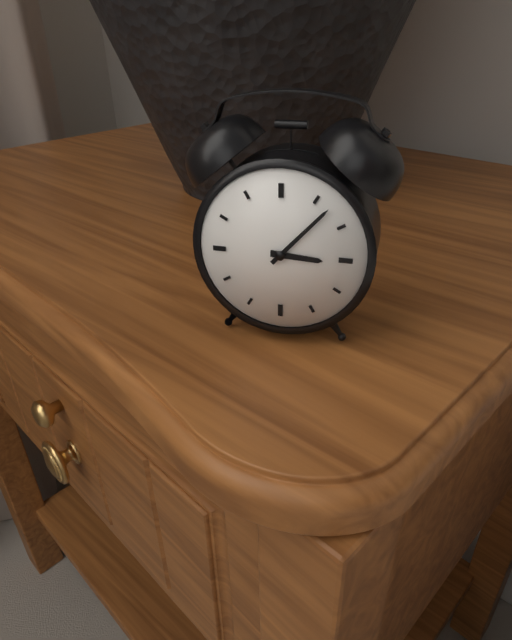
3 h 07 min
